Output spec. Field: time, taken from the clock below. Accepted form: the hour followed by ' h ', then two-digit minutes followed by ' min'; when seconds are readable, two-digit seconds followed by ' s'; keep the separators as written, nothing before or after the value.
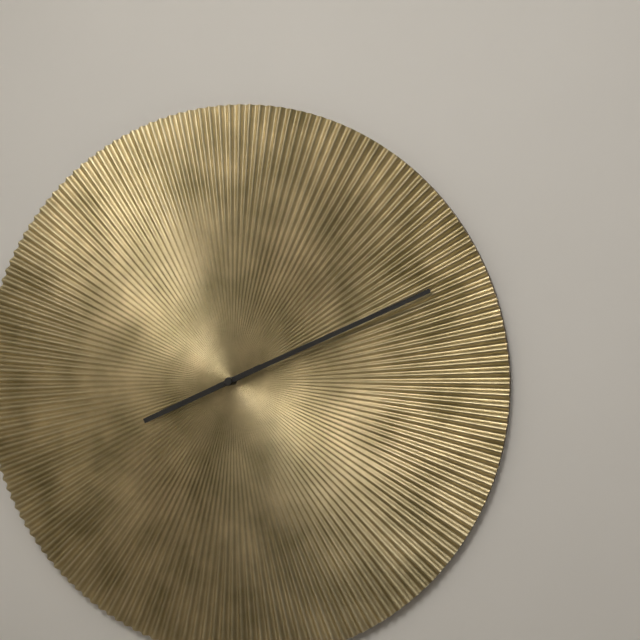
8 h 11 min
